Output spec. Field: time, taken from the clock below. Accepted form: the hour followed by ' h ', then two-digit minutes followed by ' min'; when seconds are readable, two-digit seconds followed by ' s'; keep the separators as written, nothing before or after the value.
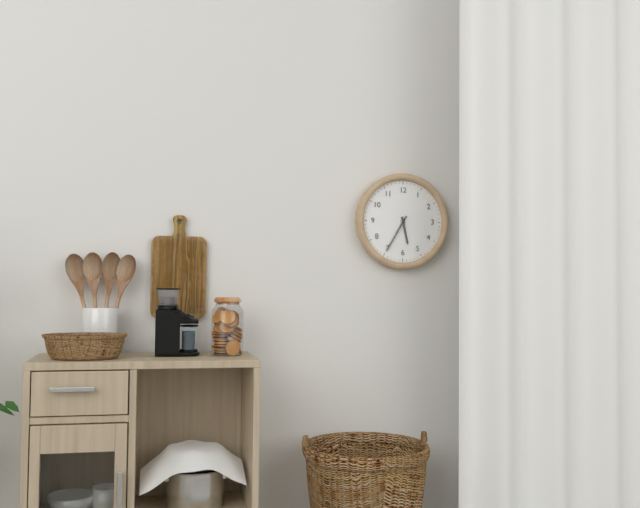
5 h 35 min
